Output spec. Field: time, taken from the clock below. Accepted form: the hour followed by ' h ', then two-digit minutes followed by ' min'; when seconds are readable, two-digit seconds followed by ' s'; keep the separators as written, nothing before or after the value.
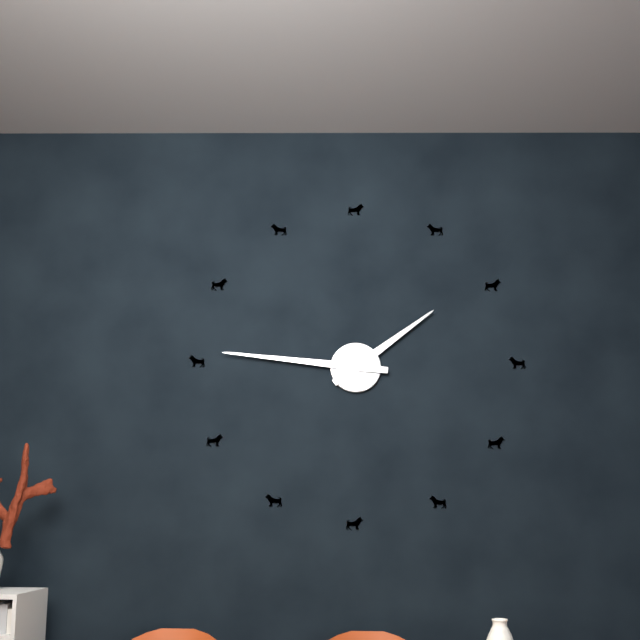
1 h 46 min
